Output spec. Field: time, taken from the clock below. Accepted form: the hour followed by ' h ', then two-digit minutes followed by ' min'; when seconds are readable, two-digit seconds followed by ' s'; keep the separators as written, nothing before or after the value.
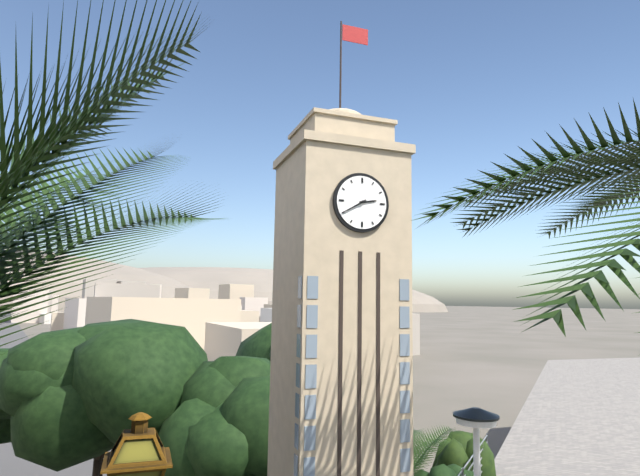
2 h 40 min
